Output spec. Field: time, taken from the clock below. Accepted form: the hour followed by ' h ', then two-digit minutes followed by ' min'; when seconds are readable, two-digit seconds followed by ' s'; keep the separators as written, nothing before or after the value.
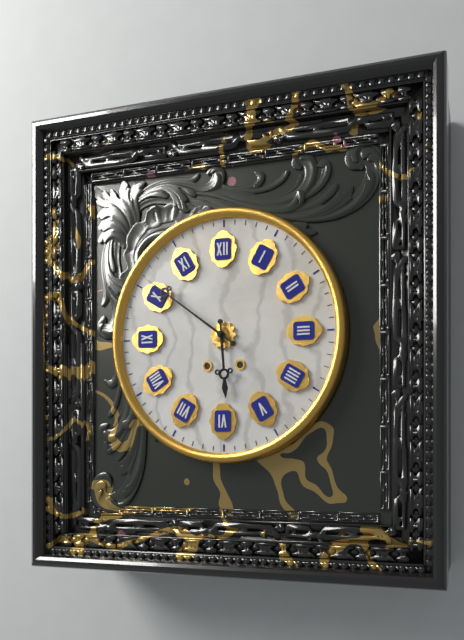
5 h 51 min
